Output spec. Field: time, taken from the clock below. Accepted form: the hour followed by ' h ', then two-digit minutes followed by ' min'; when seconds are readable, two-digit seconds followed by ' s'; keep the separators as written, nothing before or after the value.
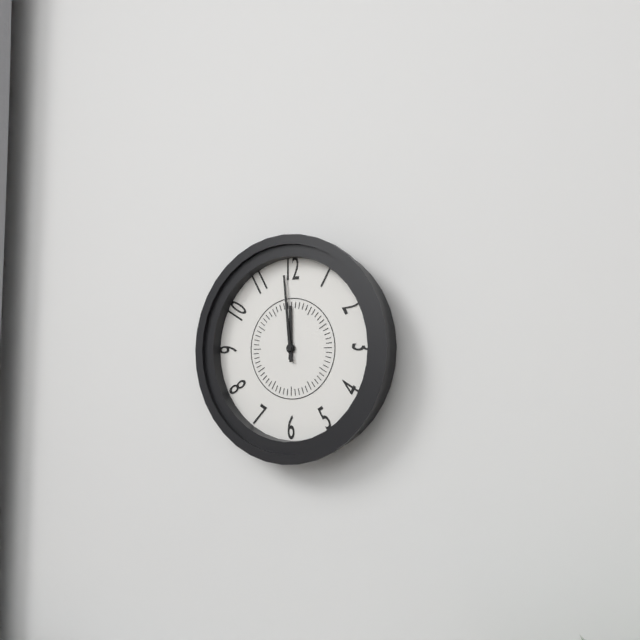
11 h 59 min
